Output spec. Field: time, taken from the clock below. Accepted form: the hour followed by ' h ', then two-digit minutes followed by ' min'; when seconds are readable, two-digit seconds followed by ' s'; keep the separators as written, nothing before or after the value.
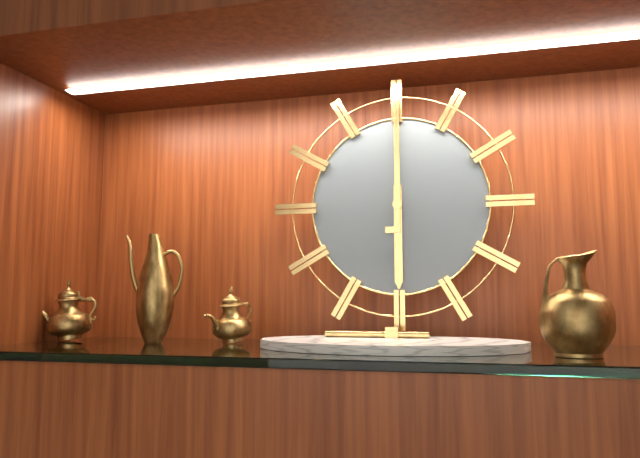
6 h 00 min
